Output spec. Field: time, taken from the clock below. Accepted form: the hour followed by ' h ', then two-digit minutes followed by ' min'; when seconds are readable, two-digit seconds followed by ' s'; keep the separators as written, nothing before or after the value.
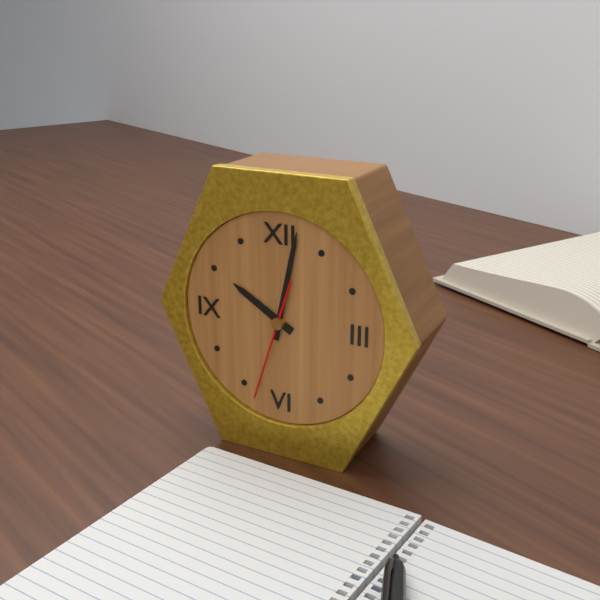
10 h 02 min 33 s
